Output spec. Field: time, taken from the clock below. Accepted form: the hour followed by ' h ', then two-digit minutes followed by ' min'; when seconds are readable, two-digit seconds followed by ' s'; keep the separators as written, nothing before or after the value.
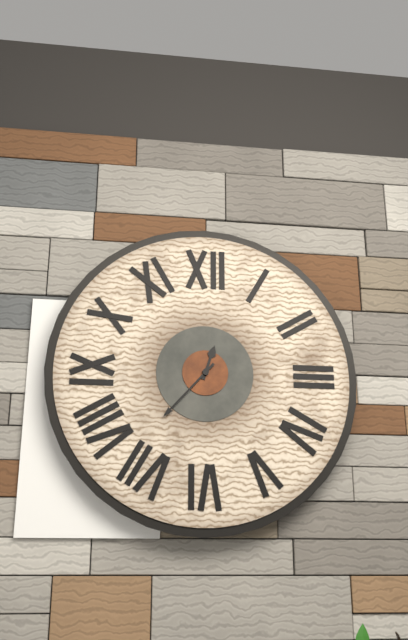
12 h 37 min
